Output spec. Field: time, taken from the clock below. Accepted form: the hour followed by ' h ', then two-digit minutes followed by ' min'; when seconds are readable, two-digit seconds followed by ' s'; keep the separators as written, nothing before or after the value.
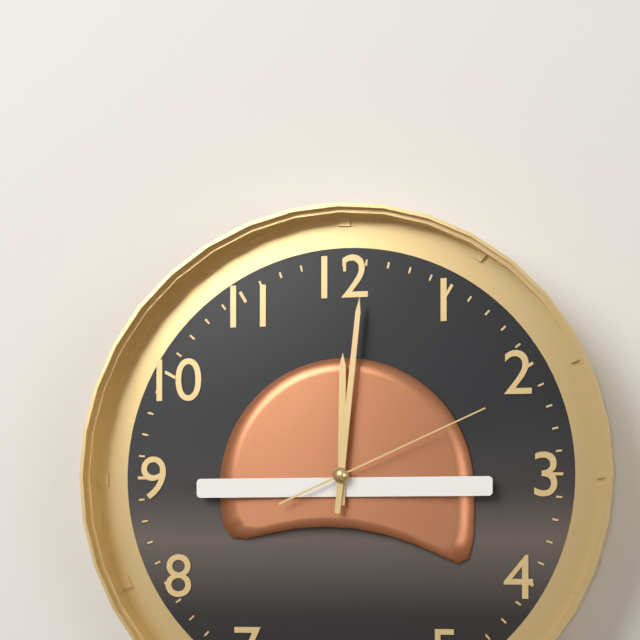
12 h 01 min 11 s
